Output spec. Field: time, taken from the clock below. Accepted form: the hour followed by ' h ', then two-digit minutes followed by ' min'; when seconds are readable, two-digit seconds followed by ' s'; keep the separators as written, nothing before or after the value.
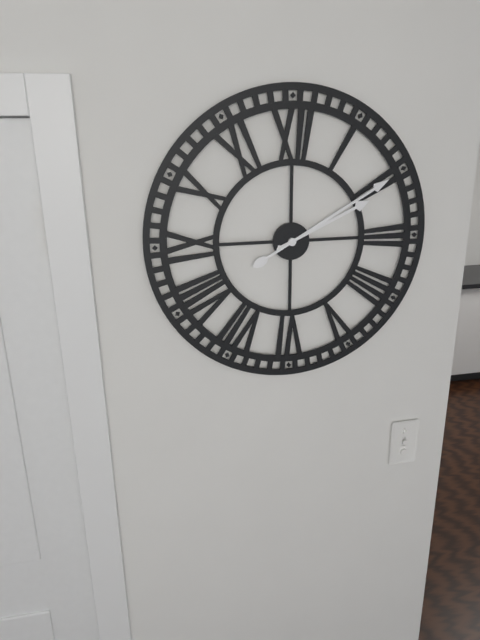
2 h 10 min
